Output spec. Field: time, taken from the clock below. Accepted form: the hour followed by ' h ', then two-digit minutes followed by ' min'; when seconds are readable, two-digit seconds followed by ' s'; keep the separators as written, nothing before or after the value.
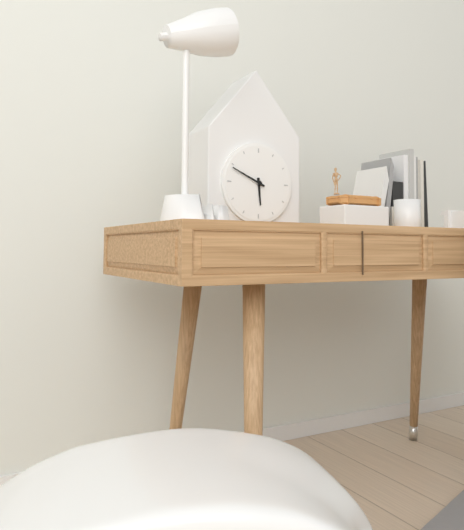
5 h 49 min
